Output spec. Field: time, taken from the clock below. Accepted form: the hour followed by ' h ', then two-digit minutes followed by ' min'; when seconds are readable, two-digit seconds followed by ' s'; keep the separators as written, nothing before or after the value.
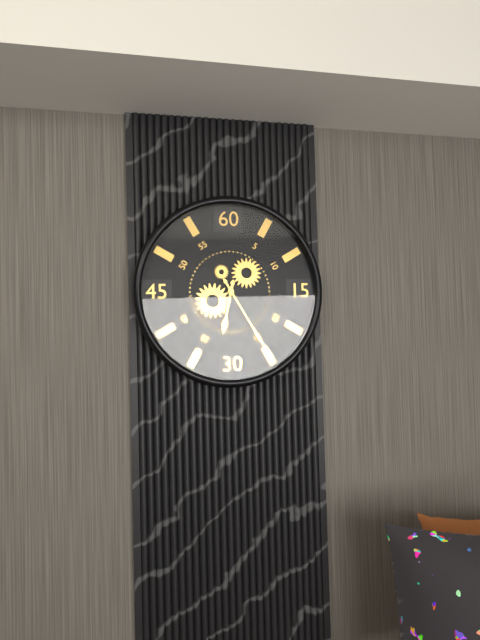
6 h 25 min
